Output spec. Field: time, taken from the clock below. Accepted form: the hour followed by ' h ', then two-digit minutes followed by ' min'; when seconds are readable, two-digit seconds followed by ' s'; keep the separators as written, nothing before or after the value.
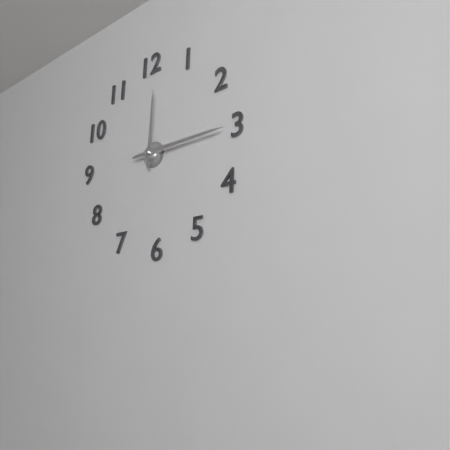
12 h 15 min
